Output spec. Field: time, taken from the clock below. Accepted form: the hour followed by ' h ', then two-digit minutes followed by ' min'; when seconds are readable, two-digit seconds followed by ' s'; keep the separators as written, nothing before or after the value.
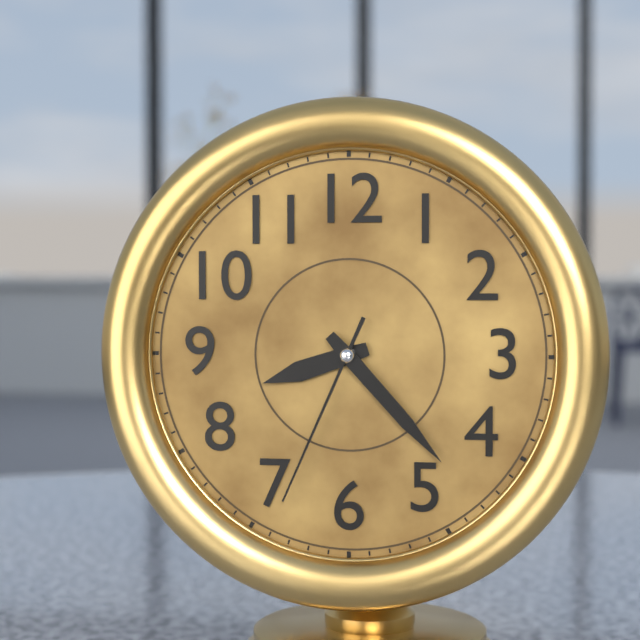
8 h 23 min 34 s
